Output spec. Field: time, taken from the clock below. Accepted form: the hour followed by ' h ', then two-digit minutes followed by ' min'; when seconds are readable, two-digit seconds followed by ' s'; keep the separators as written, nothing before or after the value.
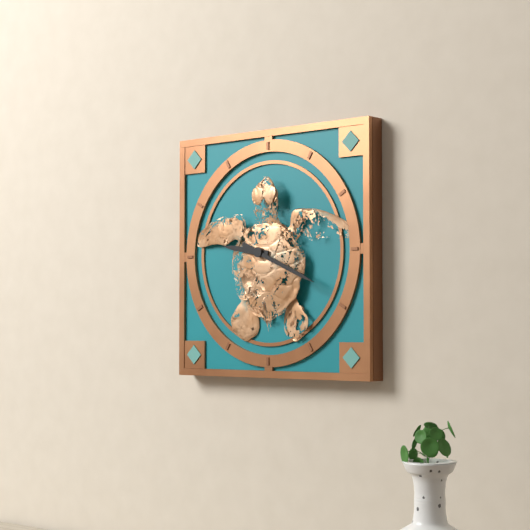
9 h 19 min
